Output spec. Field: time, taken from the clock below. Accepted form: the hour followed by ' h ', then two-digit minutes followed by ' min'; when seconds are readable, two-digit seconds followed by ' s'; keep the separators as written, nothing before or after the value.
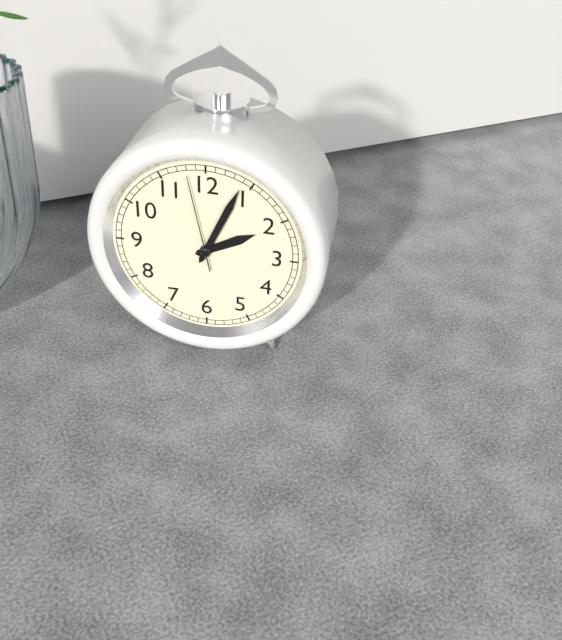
2 h 04 min 58 s
